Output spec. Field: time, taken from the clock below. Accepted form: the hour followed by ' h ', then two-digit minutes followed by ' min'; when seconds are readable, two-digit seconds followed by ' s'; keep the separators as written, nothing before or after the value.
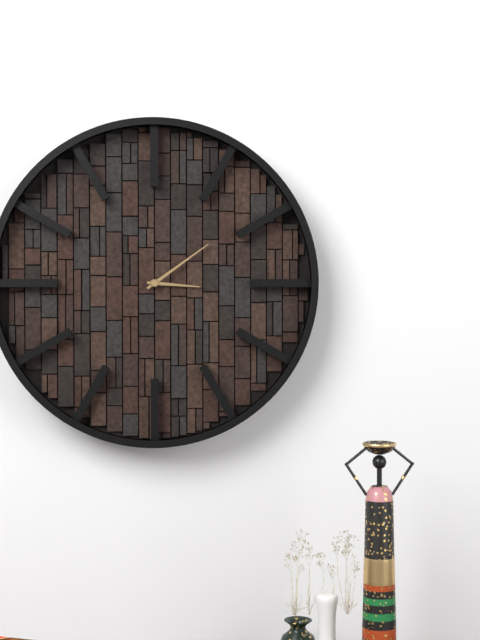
3 h 09 min
